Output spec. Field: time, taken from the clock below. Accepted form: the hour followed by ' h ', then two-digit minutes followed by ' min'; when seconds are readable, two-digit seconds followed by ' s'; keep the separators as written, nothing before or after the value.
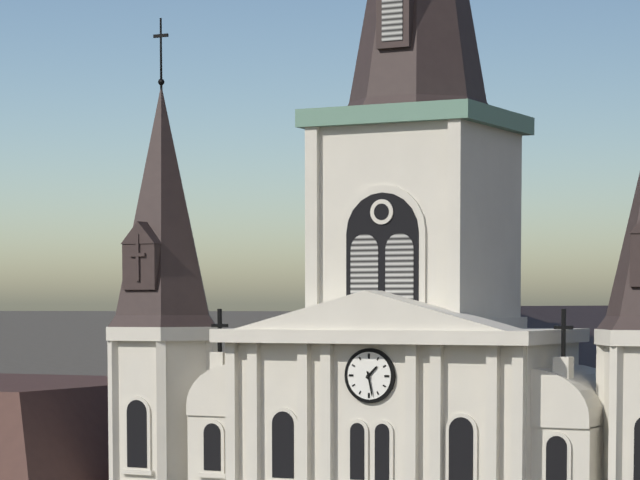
1 h 28 min
